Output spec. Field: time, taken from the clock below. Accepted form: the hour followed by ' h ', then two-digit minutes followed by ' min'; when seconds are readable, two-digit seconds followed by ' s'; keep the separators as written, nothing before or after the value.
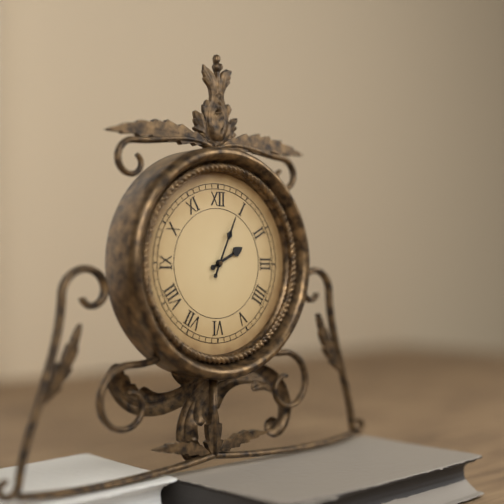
2 h 04 min
